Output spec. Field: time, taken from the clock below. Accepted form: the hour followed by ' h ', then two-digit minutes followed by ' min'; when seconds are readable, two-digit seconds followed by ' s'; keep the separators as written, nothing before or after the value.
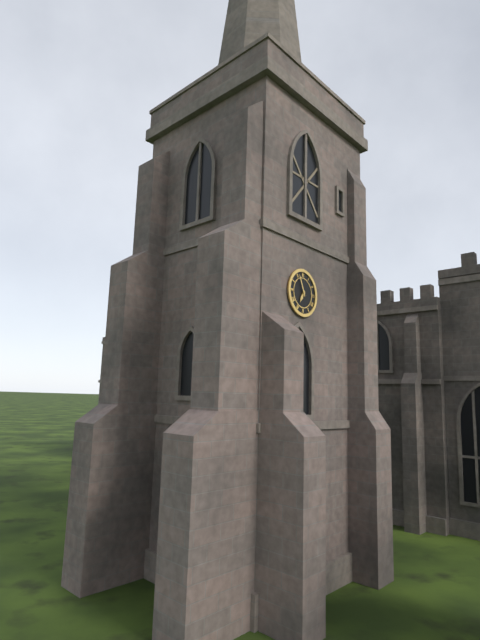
6 h 56 min
